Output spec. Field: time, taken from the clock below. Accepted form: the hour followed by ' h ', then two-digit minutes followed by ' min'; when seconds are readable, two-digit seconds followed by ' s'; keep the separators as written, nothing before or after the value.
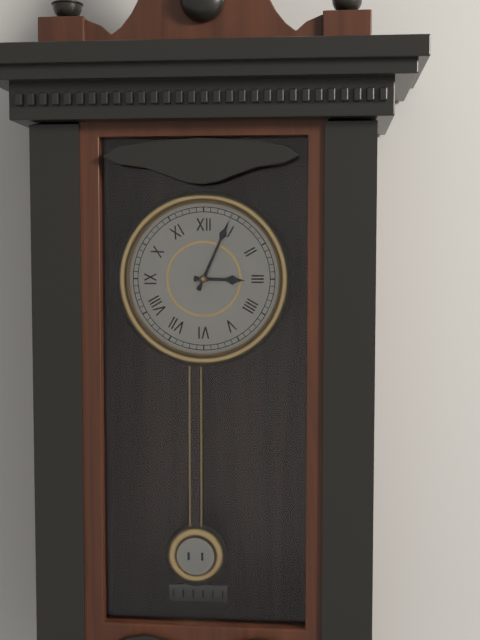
3 h 04 min
